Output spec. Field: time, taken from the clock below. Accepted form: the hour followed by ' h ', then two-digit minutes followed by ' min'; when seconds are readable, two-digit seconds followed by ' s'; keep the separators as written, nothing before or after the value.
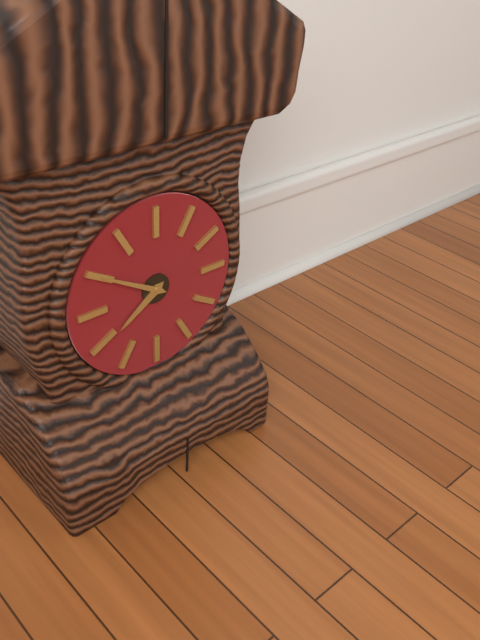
7 h 50 min
